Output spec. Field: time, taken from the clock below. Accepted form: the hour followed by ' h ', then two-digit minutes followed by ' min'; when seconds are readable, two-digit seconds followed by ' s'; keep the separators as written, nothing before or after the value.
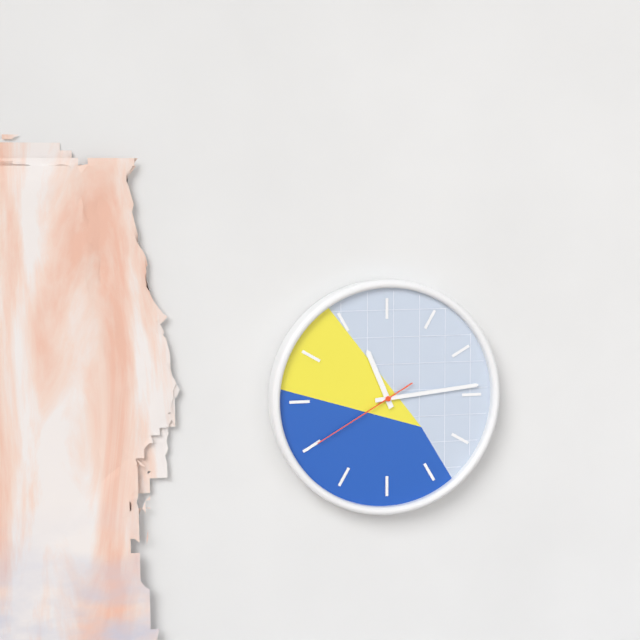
11 h 14 min 40 s
